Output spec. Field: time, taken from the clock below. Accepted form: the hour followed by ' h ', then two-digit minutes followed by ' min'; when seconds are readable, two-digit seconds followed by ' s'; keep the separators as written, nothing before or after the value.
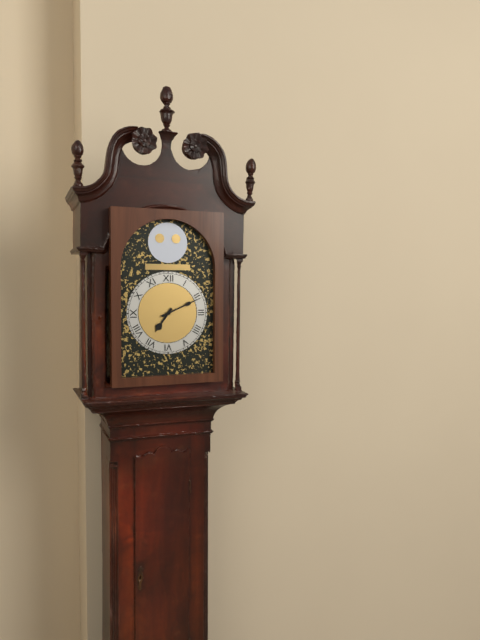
7 h 11 min
